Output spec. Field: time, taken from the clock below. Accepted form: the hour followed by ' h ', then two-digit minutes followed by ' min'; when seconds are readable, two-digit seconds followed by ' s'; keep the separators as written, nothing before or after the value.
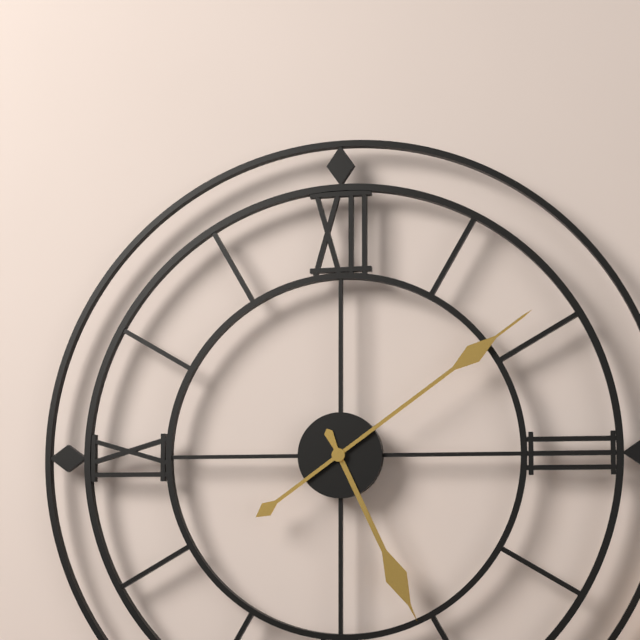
5 h 09 min
